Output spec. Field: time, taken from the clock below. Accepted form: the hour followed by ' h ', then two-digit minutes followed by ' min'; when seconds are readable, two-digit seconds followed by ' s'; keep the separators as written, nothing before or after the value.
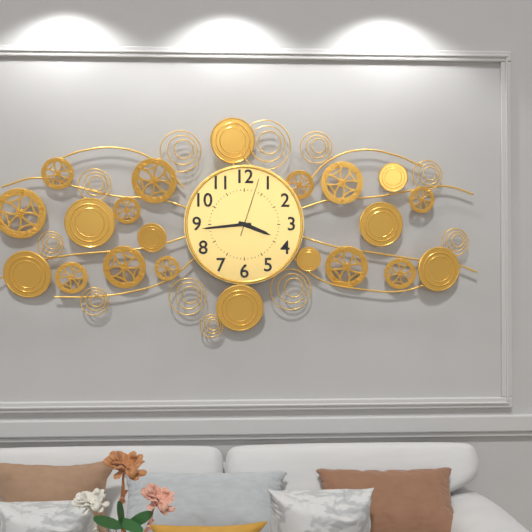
3 h 44 min 03 s
